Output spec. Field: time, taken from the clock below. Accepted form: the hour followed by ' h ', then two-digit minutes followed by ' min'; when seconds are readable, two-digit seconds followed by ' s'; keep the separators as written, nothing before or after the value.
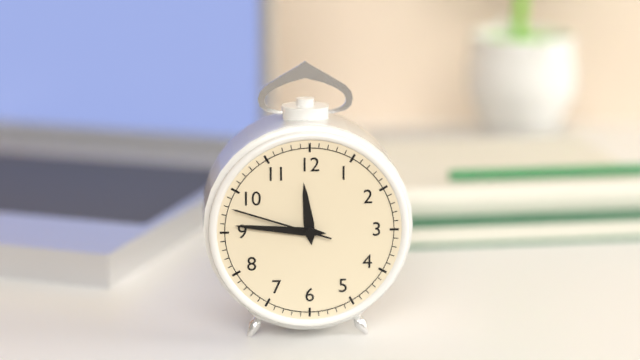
11 h 46 min 48 s
